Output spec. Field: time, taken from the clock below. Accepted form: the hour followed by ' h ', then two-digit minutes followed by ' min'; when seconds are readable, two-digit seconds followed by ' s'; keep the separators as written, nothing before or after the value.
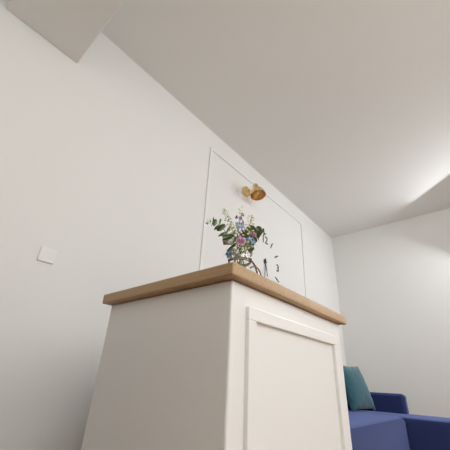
5 h 31 min
